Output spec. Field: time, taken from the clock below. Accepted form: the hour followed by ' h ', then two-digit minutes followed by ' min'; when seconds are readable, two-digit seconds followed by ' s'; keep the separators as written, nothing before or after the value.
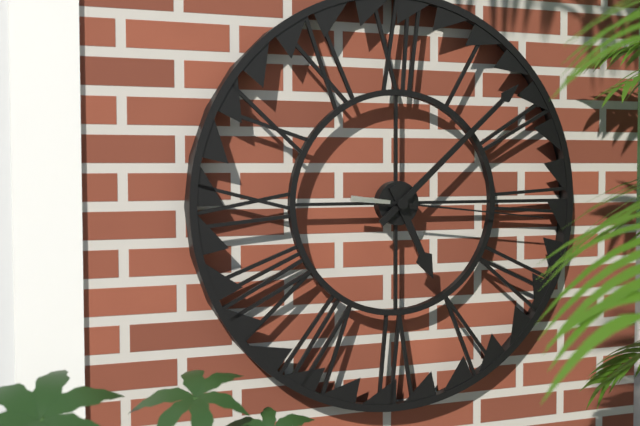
5 h 08 min 16 s
